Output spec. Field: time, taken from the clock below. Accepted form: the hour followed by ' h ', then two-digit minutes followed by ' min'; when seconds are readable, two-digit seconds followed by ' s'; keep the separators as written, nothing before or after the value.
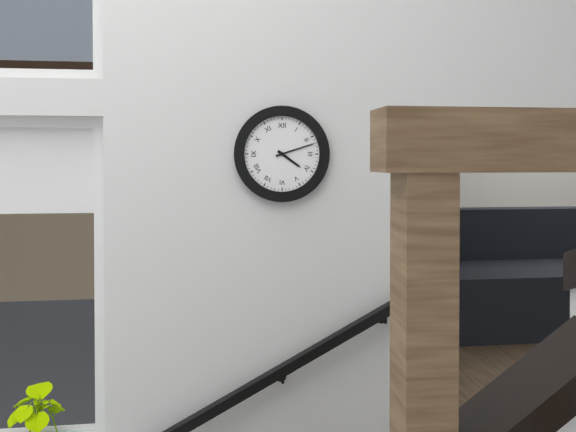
4 h 12 min
